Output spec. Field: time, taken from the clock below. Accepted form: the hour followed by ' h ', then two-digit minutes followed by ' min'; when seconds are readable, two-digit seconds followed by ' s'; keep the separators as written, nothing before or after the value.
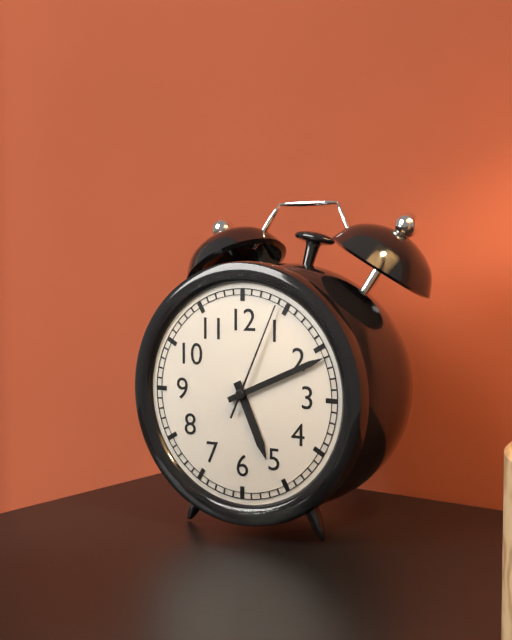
5 h 11 min 04 s
